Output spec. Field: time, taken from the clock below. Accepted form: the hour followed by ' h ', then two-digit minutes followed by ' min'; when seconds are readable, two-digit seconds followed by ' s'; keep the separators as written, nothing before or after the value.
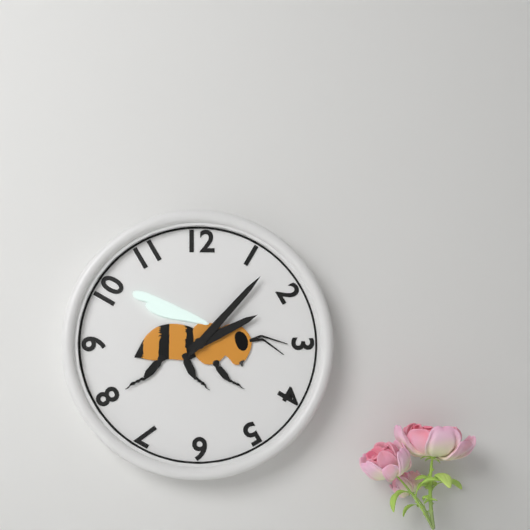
2 h 07 min
